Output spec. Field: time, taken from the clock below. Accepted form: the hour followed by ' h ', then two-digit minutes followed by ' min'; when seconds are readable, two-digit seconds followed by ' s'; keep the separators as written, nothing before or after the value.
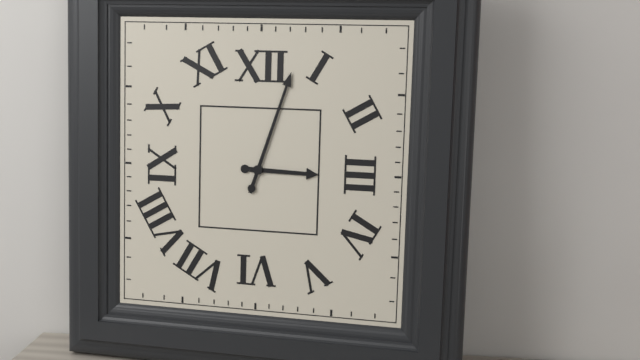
3 h 03 min
